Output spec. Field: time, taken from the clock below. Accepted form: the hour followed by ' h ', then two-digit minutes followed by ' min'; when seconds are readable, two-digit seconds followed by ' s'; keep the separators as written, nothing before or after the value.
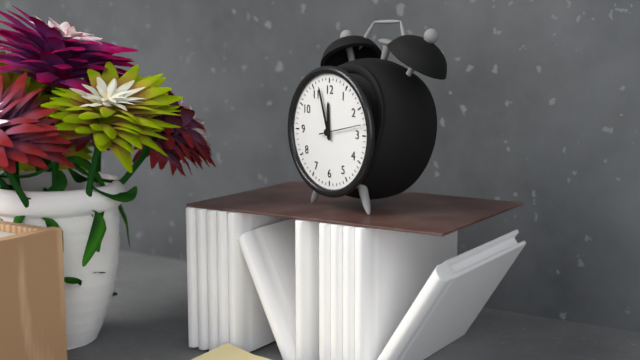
11 h 57 min
